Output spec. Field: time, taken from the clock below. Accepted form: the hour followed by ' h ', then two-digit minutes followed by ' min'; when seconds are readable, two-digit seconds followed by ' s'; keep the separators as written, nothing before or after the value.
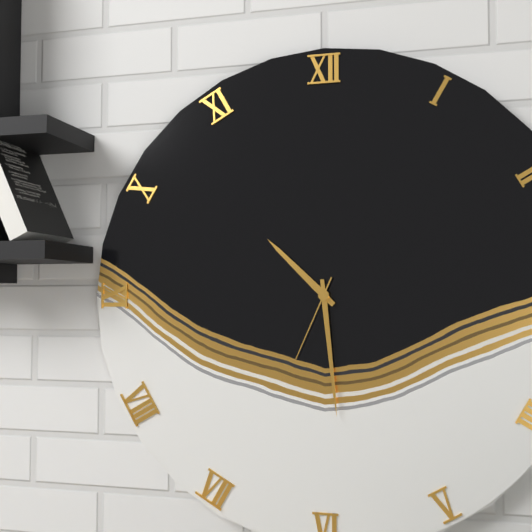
10 h 29 min 34 s
